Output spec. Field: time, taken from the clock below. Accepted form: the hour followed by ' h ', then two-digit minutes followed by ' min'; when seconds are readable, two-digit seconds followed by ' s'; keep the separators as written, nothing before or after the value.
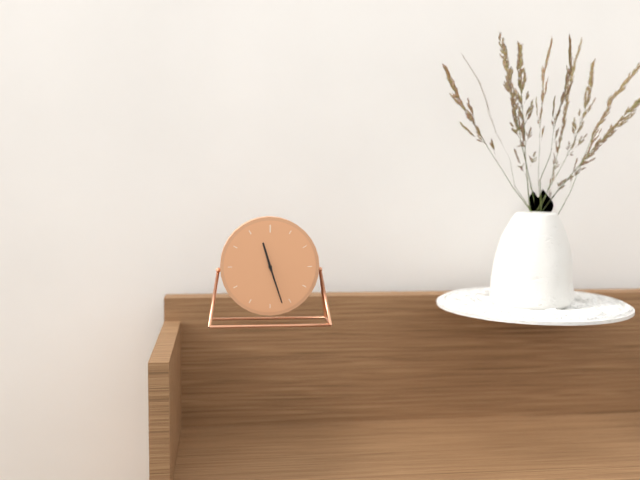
11 h 27 min
